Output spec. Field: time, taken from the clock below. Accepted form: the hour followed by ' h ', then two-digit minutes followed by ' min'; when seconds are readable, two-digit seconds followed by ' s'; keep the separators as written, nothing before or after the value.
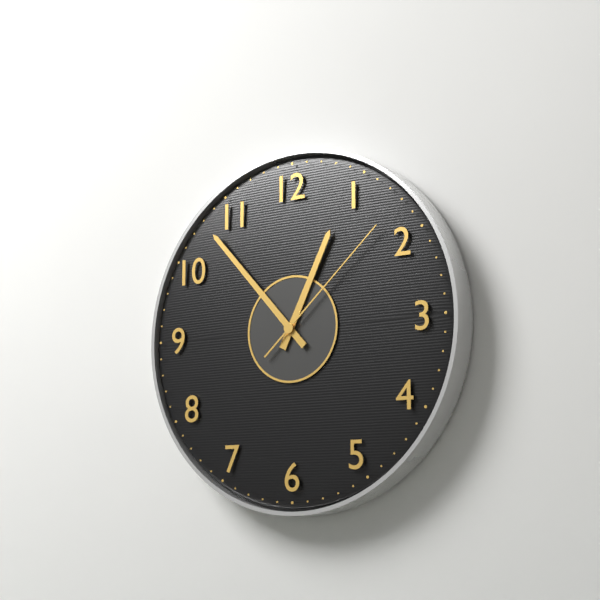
12 h 53 min 08 s
